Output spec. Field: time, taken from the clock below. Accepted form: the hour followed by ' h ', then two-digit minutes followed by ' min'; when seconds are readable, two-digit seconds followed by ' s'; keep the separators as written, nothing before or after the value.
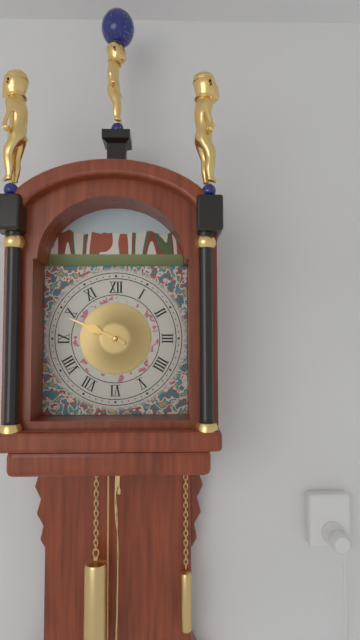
9 h 49 min
